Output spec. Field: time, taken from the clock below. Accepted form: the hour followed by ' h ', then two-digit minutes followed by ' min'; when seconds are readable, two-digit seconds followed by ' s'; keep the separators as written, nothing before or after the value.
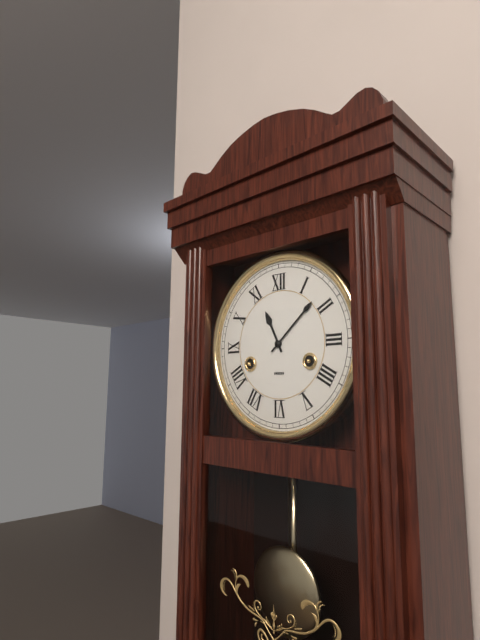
11 h 08 min
